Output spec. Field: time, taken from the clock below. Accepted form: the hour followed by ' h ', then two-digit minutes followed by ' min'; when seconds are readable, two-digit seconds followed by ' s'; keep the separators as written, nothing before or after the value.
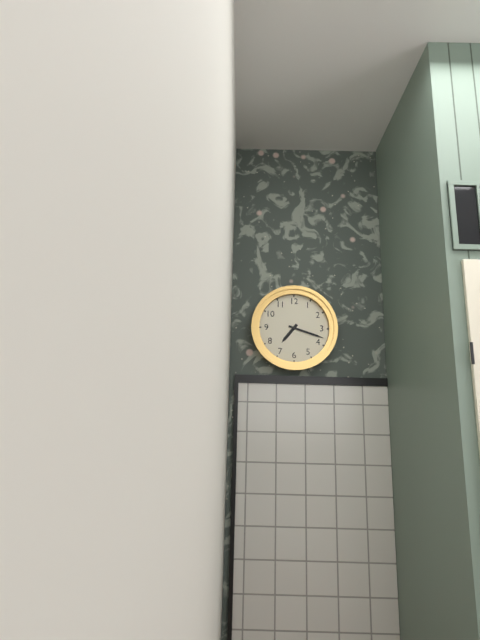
7 h 18 min
